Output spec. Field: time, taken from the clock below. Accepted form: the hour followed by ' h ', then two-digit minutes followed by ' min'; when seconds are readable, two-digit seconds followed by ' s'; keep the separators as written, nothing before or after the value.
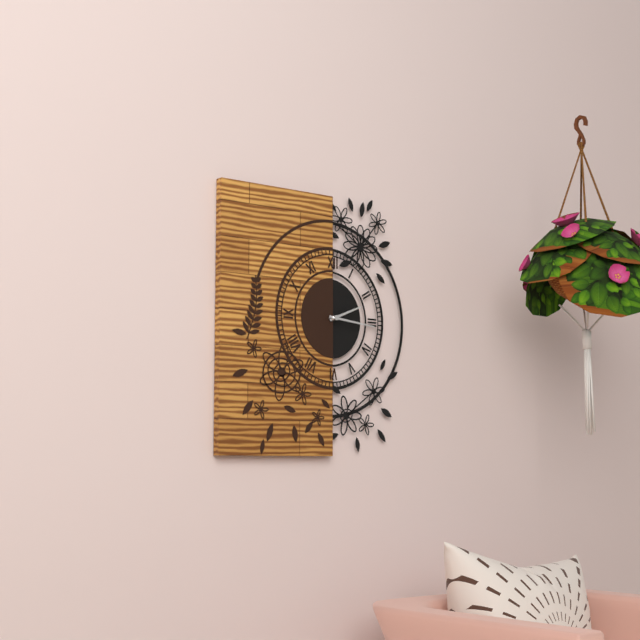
2 h 16 min
